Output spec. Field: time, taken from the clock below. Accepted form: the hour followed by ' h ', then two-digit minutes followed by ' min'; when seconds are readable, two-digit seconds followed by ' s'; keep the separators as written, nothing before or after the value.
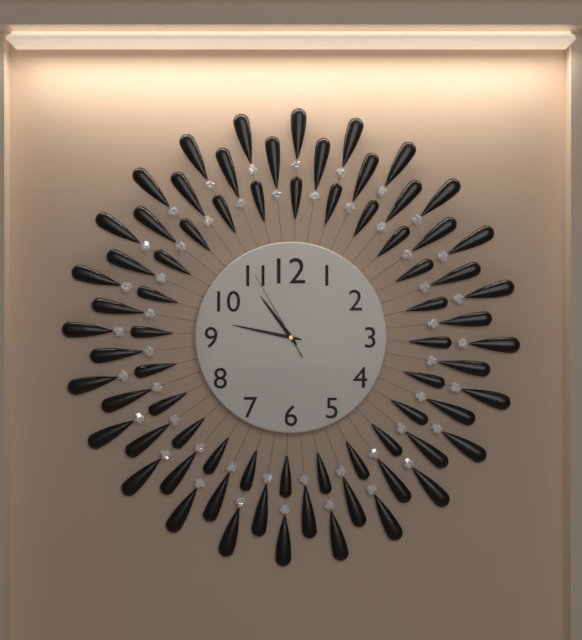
10 h 47 min 55 s
